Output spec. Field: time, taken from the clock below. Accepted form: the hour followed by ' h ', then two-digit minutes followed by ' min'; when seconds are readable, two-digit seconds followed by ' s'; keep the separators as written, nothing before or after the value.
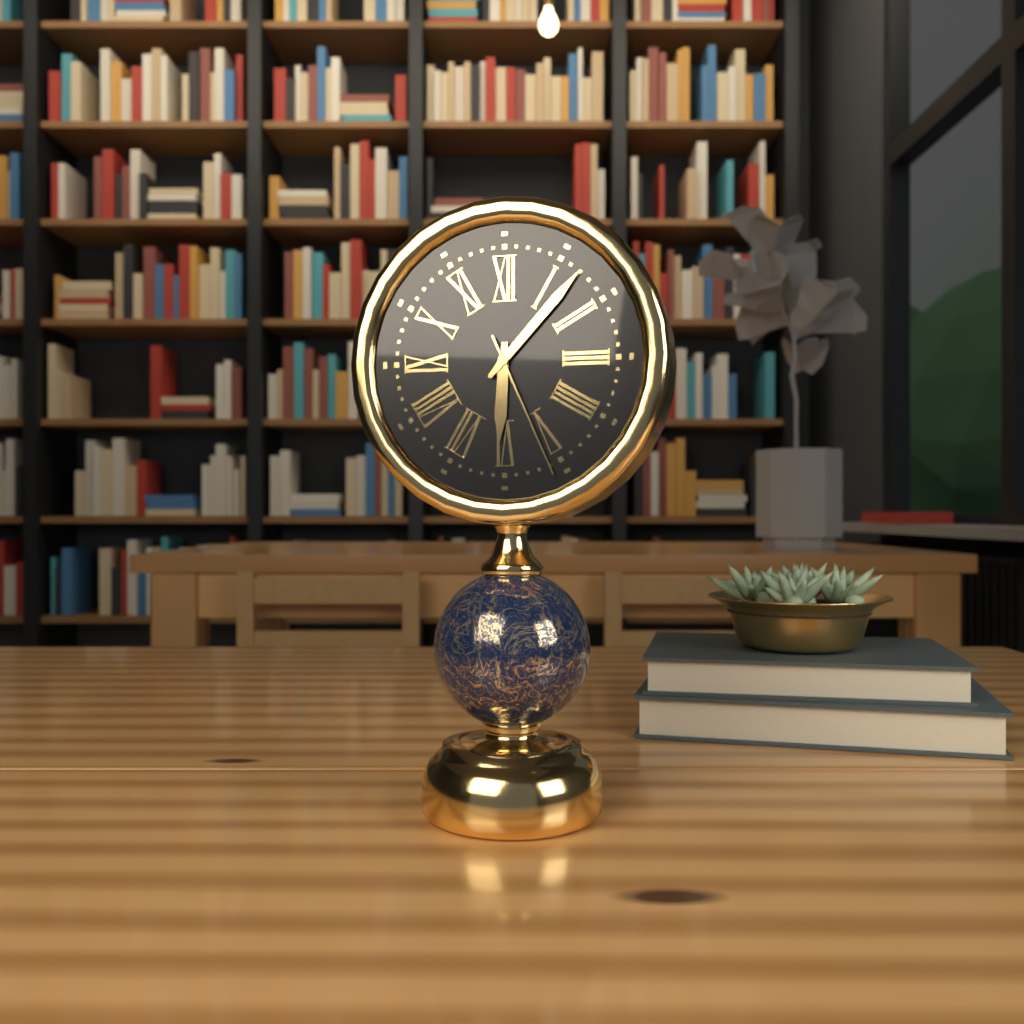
6 h 07 min 26 s
